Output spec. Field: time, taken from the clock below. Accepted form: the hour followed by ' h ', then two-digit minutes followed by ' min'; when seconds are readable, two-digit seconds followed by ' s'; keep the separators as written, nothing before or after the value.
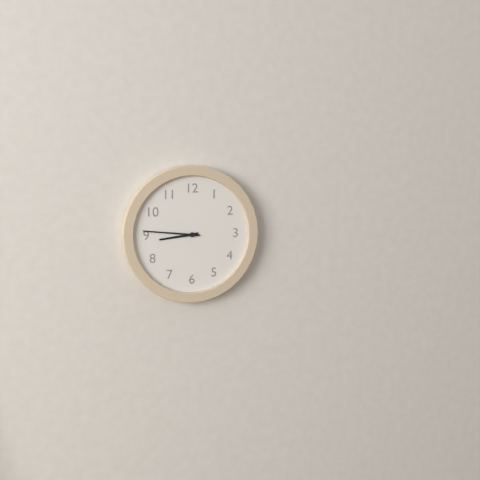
8 h 46 min
